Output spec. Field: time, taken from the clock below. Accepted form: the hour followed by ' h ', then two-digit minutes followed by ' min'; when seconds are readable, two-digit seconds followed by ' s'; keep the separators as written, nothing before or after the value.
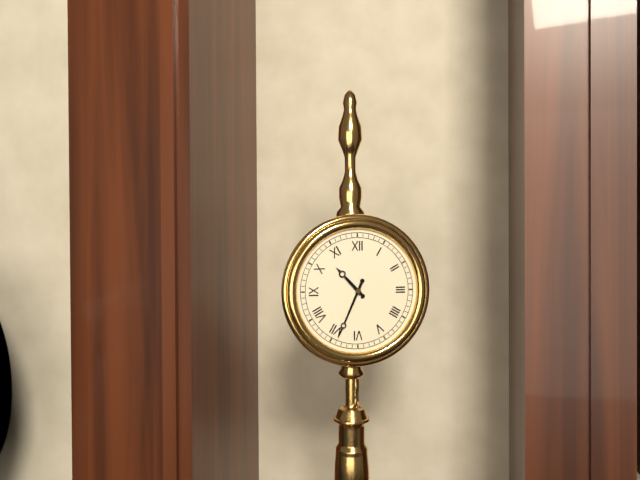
10 h 34 min
